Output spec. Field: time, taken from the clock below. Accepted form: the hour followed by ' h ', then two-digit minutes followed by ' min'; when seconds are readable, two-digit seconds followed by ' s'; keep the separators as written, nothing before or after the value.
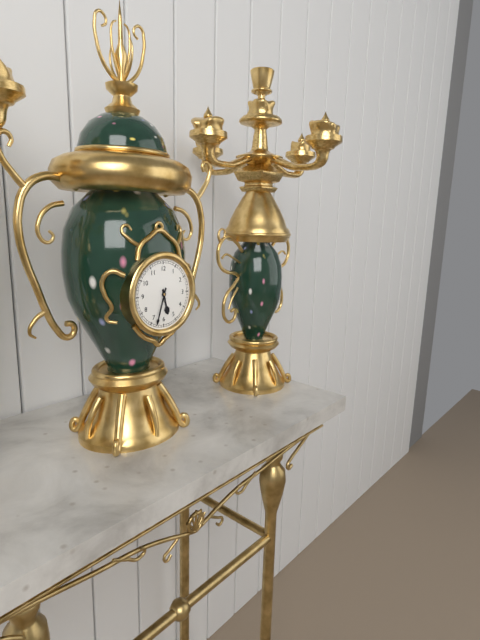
5 h 33 min
